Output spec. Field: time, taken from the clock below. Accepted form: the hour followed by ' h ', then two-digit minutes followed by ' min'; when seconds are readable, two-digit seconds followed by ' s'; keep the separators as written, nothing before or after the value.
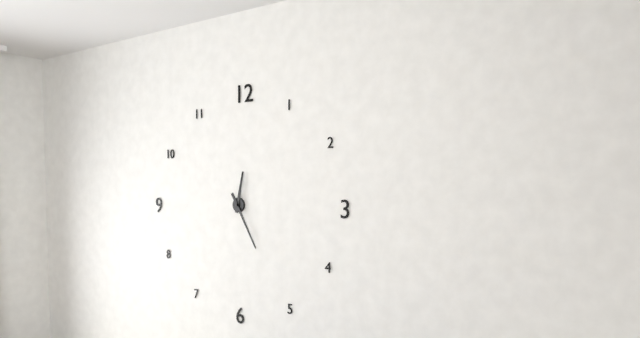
12 h 25 min
